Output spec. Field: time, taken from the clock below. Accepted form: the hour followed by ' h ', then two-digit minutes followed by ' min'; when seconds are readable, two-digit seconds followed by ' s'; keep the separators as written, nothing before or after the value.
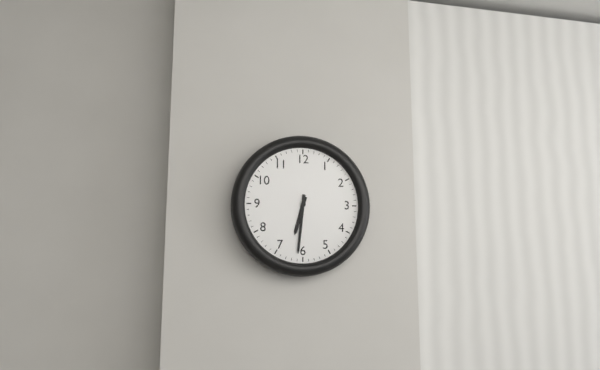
6 h 31 min
